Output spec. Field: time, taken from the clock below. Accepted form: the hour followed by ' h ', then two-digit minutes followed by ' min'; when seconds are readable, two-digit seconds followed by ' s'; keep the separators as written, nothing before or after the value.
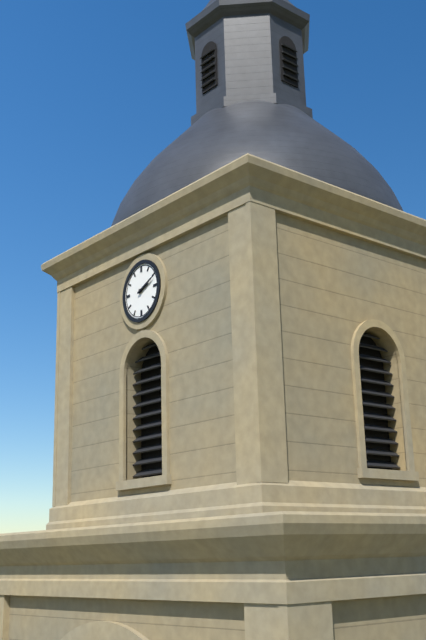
2 h 11 min
